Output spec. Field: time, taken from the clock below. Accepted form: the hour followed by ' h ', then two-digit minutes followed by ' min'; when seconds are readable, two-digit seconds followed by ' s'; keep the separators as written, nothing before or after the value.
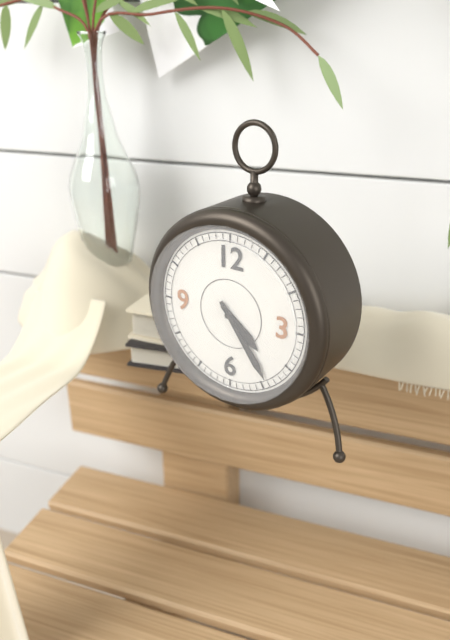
4 h 24 min
